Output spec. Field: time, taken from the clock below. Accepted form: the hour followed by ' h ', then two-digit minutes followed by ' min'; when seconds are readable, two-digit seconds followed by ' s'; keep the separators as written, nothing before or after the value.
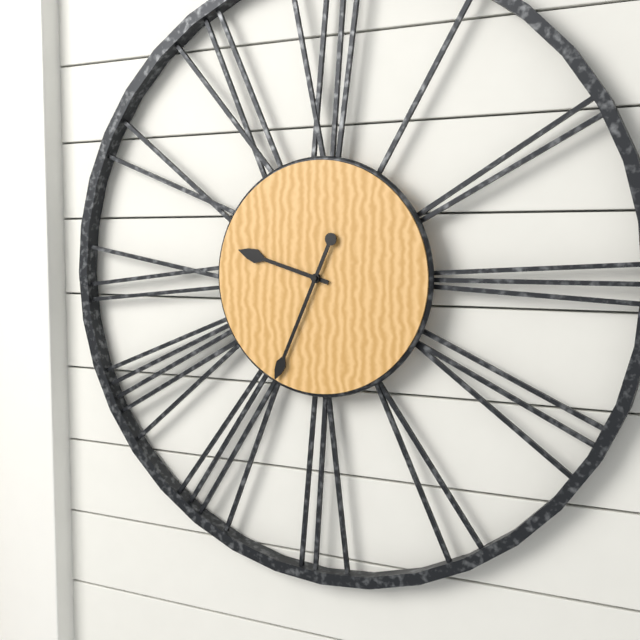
9 h 34 min
